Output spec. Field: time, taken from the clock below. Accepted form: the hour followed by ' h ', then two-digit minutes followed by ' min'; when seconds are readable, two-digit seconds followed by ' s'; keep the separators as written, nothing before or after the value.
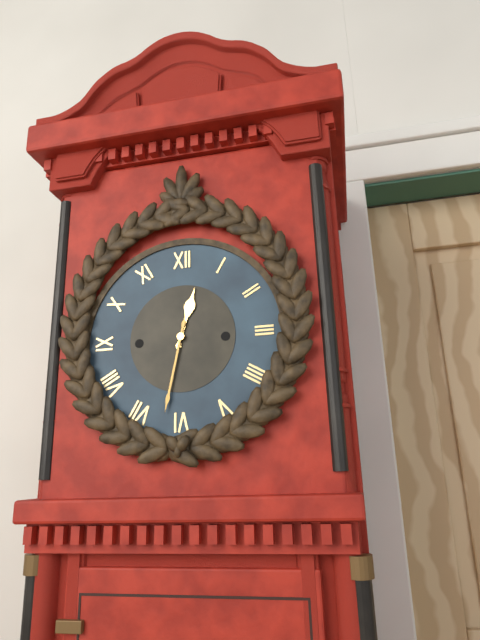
12 h 32 min
